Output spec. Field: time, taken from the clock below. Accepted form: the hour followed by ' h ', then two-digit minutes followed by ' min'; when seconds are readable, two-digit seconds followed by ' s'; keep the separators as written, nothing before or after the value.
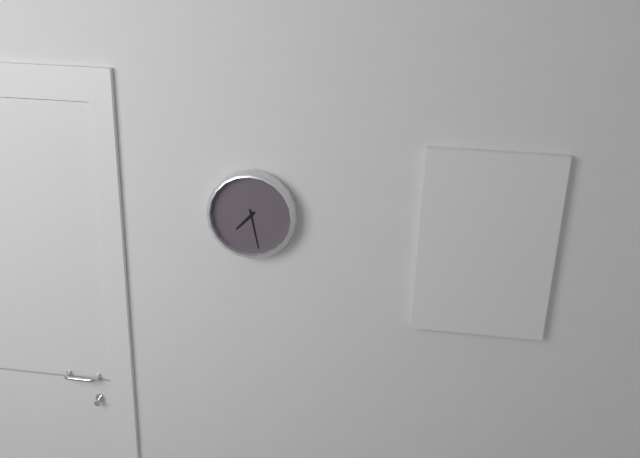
7 h 28 min
